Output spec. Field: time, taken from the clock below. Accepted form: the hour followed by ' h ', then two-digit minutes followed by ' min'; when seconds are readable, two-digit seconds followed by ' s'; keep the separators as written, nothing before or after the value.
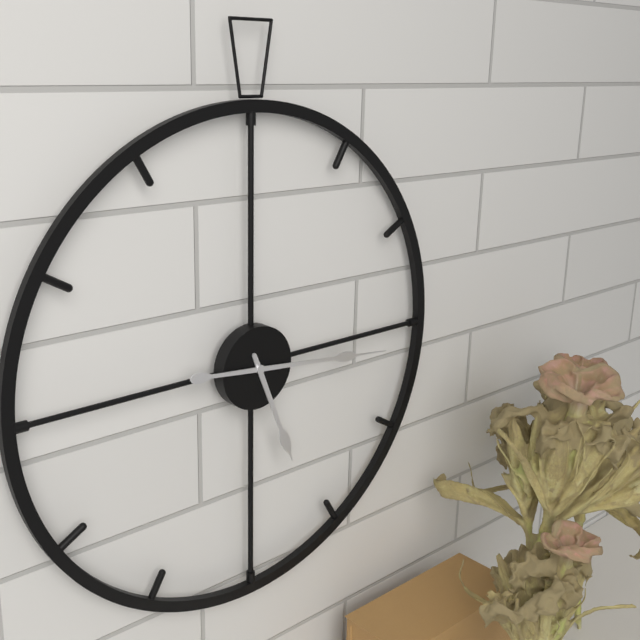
5 h 16 min
